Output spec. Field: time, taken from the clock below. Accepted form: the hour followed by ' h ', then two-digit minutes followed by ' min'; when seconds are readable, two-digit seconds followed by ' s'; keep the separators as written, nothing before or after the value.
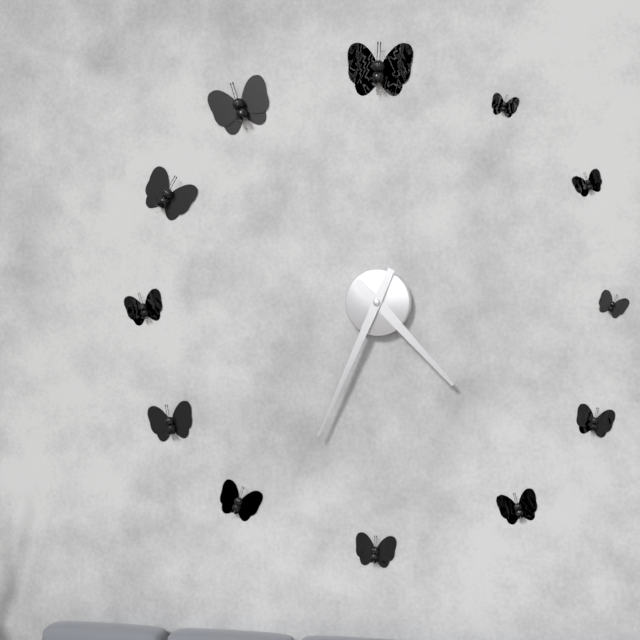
4 h 34 min
